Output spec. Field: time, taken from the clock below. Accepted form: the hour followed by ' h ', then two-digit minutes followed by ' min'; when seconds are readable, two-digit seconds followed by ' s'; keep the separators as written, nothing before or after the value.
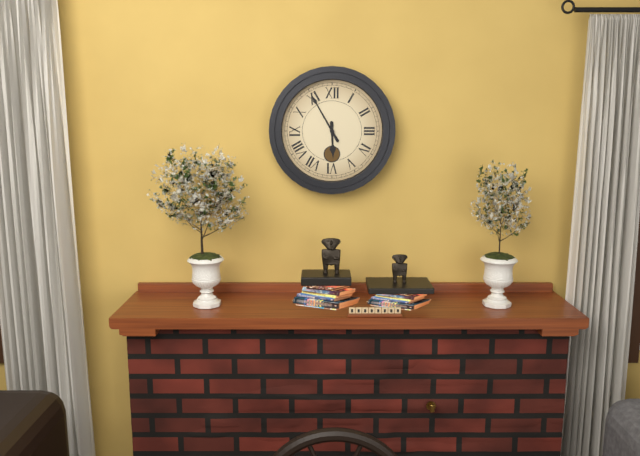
5 h 55 min
